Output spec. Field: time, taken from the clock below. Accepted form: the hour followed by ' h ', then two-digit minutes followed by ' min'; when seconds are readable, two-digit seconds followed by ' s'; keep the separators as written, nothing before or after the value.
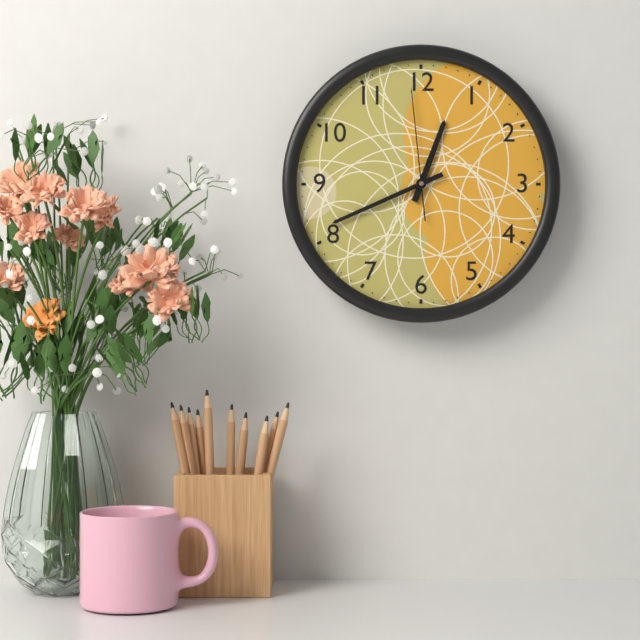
12 h 41 min 59 s
